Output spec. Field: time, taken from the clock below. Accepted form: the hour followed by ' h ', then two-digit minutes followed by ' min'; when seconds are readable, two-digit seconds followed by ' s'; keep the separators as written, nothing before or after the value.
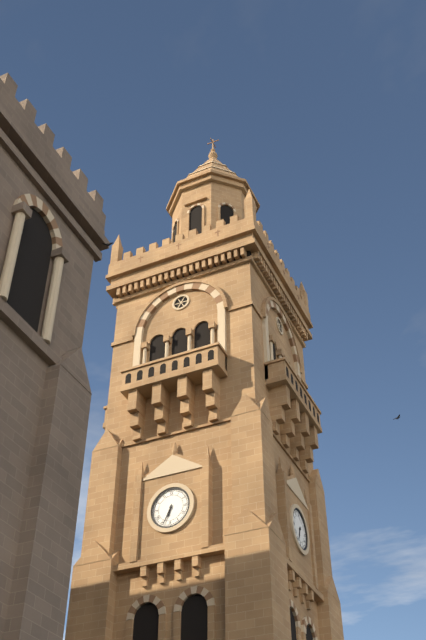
6 h 34 min
